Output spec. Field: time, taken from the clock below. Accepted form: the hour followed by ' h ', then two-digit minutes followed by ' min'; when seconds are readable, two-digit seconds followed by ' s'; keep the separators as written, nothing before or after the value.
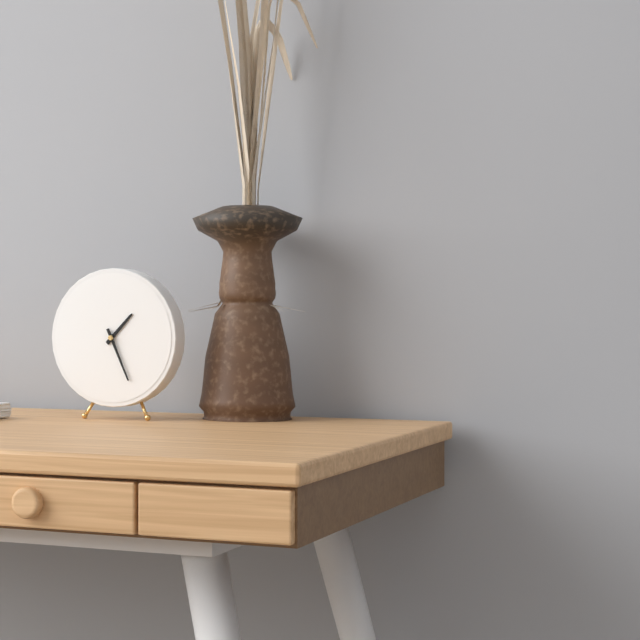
1 h 26 min
